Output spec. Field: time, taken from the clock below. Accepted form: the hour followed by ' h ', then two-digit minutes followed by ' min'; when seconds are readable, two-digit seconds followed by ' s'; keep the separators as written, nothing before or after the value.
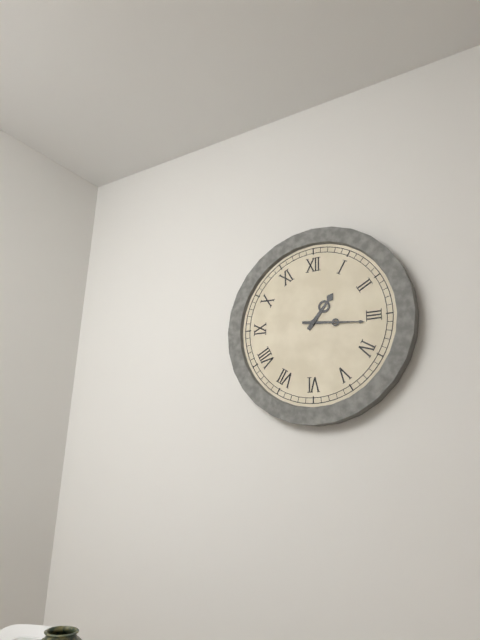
1 h 16 min
